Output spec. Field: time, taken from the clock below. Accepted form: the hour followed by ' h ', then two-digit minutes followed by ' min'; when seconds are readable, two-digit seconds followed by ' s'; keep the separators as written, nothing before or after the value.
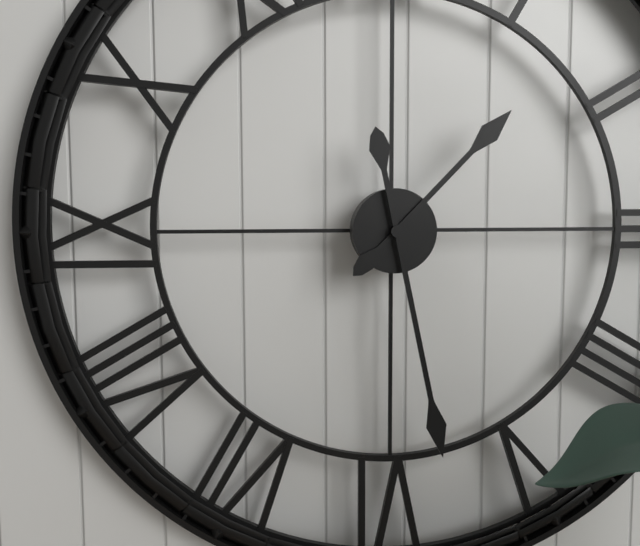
1 h 28 min
